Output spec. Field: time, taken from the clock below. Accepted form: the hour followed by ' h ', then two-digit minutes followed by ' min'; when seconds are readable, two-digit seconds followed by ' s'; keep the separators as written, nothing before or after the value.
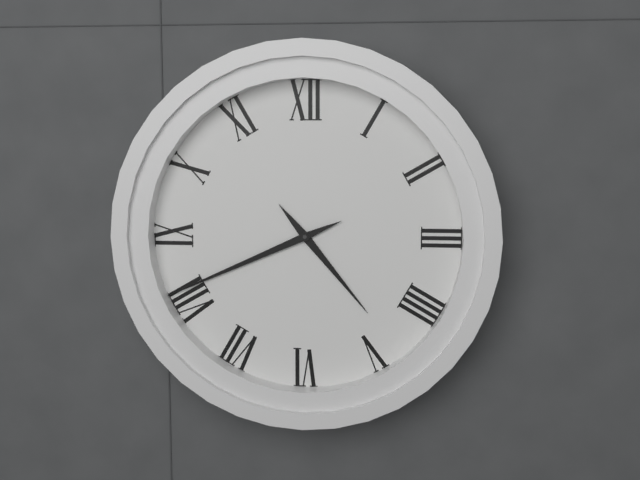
4 h 41 min
